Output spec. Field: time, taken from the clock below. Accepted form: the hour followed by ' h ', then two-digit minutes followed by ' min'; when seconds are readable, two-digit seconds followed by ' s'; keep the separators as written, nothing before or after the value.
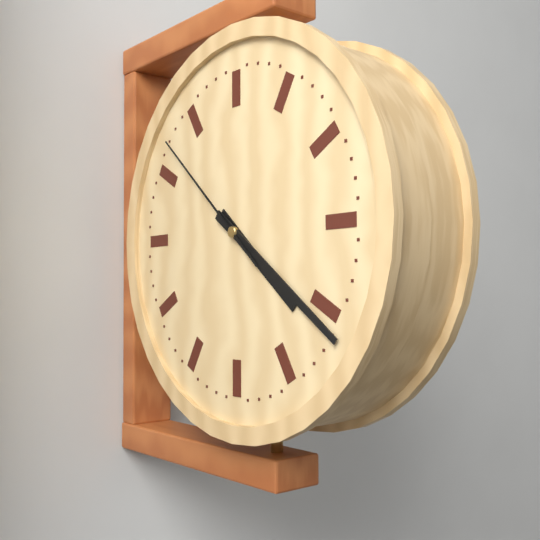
4 h 21 min 52 s
